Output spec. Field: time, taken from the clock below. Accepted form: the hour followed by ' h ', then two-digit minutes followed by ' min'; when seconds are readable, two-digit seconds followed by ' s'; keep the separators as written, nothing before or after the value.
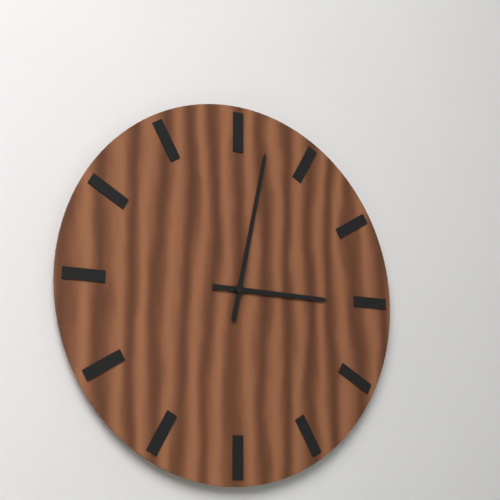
3 h 02 min
